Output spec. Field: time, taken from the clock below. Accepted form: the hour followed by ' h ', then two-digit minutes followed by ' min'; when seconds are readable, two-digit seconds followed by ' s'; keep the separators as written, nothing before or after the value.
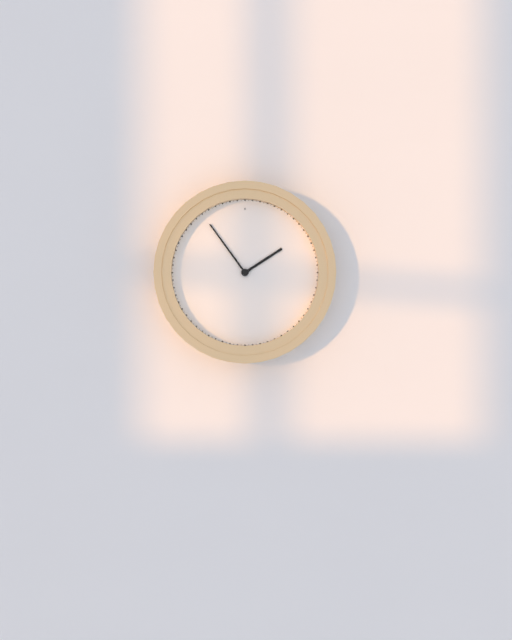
1 h 54 min
